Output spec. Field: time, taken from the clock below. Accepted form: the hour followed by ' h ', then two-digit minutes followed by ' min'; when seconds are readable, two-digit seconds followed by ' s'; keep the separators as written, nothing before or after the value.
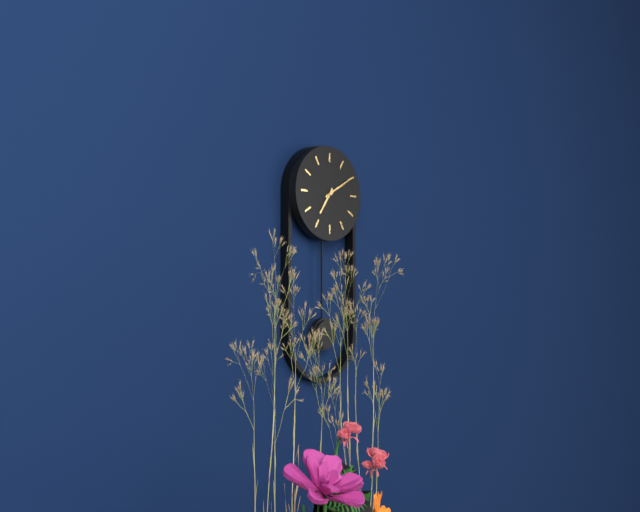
7 h 10 min
